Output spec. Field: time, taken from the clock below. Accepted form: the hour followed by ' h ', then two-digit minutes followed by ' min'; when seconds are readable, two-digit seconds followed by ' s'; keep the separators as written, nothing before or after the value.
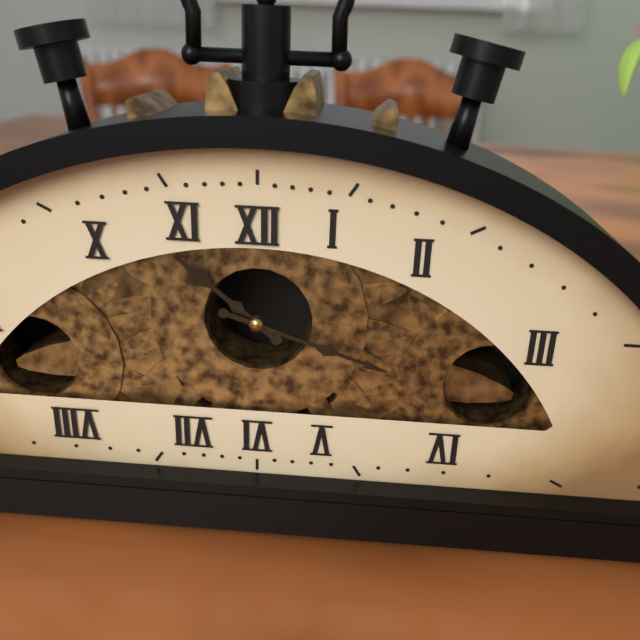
10 h 18 min
